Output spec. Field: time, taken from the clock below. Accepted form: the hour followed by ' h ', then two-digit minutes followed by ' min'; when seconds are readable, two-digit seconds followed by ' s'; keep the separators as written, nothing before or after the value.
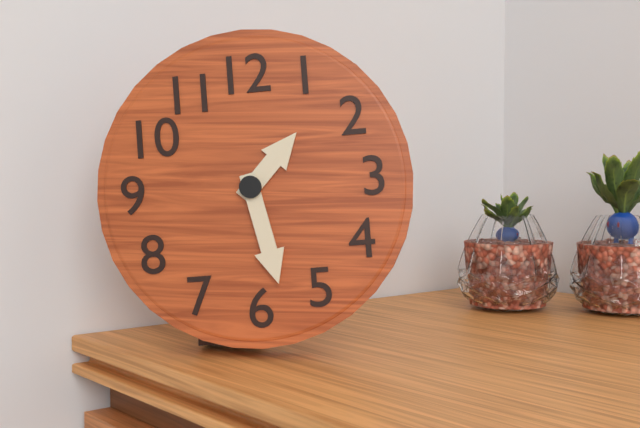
1 h 28 min
